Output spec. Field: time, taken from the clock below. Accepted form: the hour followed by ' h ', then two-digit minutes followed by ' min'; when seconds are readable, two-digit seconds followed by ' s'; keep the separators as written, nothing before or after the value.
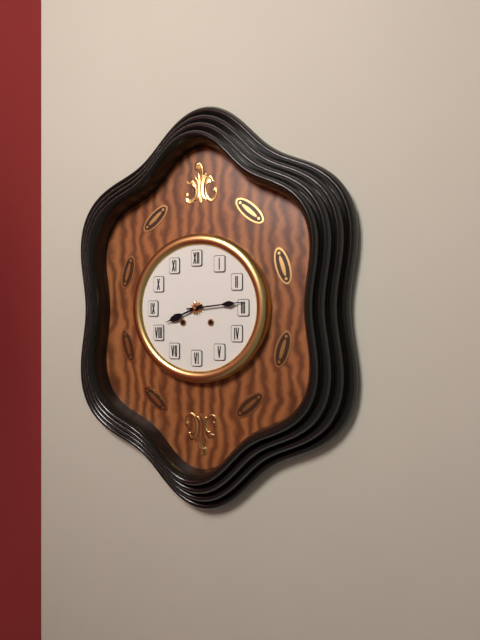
8 h 14 min
